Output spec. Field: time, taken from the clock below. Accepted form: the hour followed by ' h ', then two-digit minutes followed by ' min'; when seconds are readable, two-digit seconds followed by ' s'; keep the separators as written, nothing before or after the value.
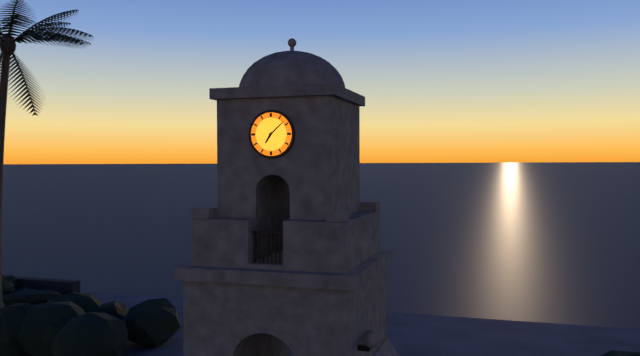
7 h 08 min
